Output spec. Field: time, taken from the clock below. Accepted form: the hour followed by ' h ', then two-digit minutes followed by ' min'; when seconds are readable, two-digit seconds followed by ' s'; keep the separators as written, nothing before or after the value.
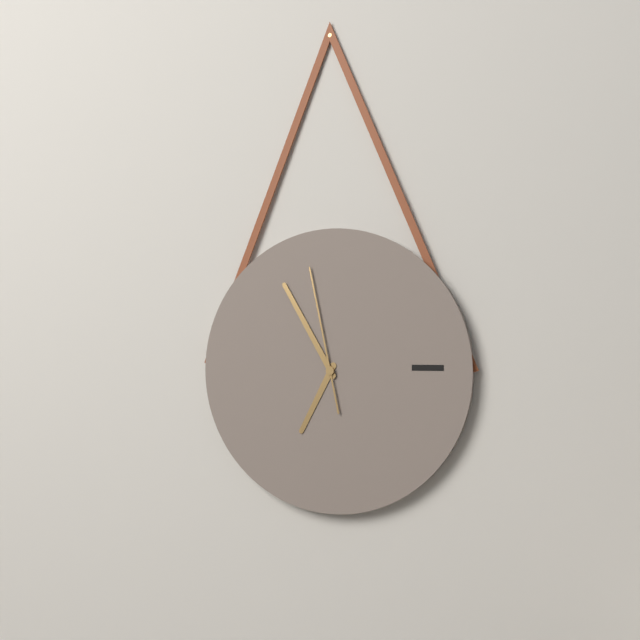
6 h 55 min 58 s
